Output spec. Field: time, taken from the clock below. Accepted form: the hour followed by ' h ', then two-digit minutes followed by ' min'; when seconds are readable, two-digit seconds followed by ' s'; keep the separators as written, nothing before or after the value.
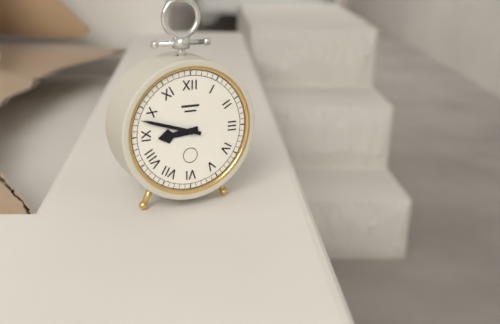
8 h 48 min
